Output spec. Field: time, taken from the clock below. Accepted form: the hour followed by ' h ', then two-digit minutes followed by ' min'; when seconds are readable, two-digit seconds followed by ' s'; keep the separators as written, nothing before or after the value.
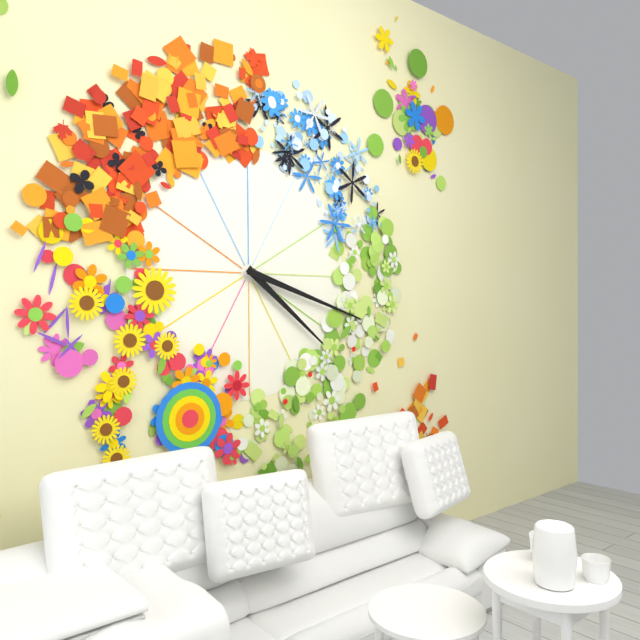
4 h 18 min
